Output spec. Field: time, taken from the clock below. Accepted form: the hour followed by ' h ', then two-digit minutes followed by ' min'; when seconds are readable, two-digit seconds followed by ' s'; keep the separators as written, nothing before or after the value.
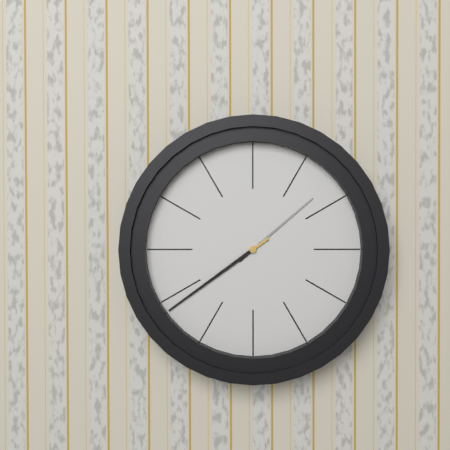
1 h 39 min
